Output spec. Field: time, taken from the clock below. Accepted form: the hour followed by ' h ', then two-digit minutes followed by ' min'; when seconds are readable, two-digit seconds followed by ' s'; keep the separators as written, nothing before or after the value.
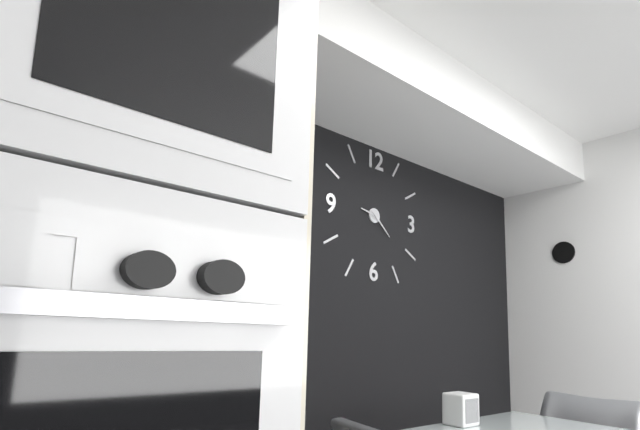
9 h 22 min
